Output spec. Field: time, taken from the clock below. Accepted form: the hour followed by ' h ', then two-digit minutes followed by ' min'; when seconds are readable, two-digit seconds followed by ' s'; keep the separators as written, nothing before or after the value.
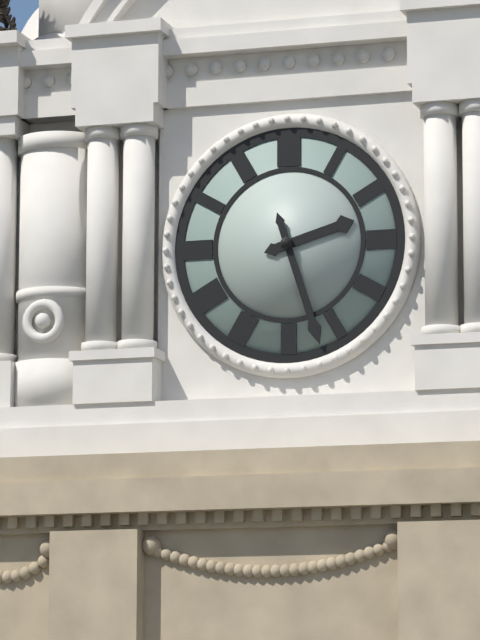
2 h 27 min
